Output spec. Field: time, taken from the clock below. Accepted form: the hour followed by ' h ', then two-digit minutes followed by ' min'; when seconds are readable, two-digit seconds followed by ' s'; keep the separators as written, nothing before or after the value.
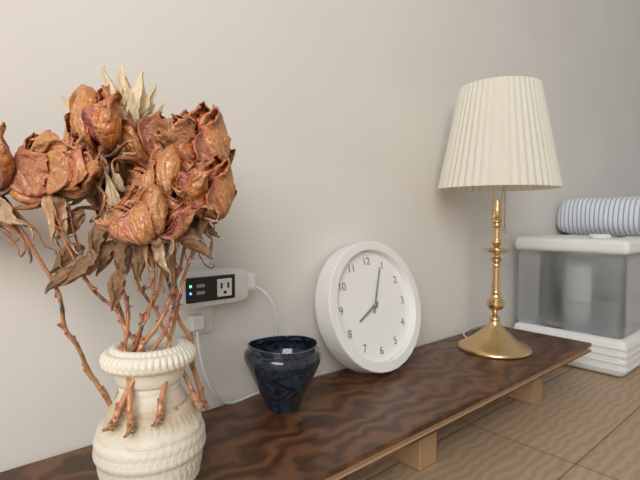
8 h 04 min
